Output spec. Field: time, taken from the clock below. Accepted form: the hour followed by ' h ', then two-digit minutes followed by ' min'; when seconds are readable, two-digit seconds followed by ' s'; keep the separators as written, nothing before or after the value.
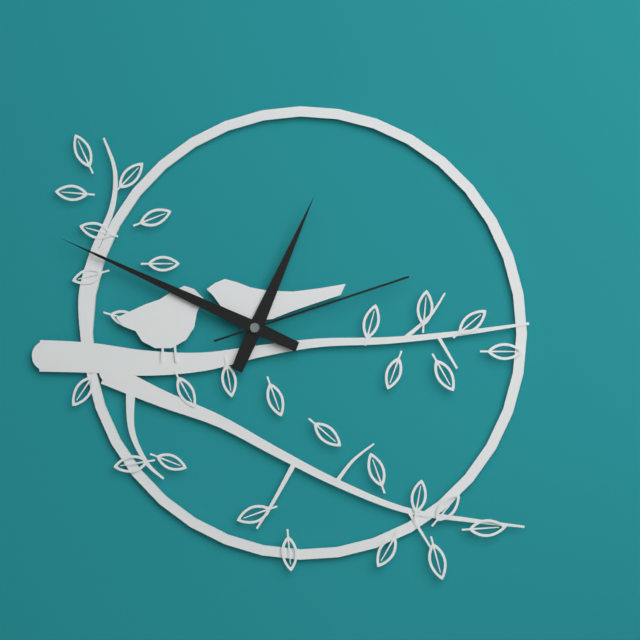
12 h 49 min 12 s
